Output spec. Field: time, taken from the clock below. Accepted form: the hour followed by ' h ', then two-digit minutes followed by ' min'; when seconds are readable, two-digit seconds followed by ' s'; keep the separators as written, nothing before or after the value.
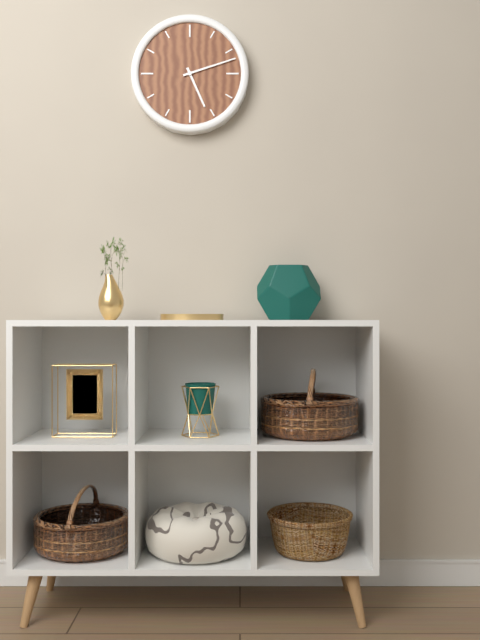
5 h 12 min
